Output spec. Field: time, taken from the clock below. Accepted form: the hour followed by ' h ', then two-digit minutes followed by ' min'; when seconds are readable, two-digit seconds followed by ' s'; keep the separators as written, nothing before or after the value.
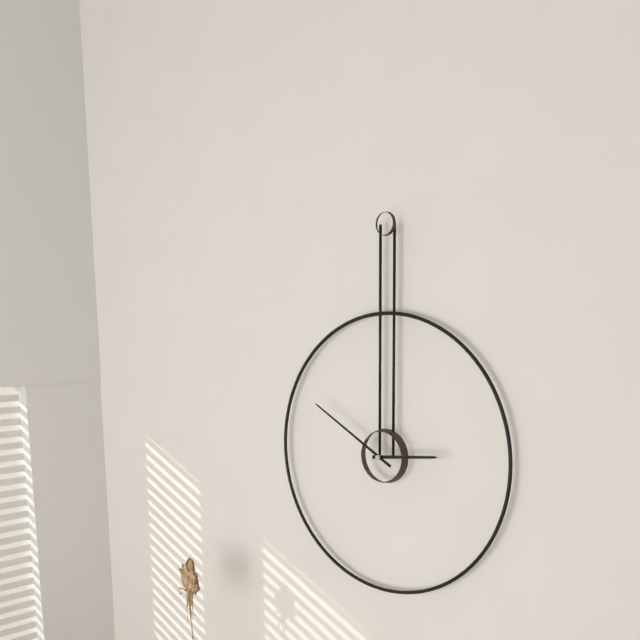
2 h 50 min
